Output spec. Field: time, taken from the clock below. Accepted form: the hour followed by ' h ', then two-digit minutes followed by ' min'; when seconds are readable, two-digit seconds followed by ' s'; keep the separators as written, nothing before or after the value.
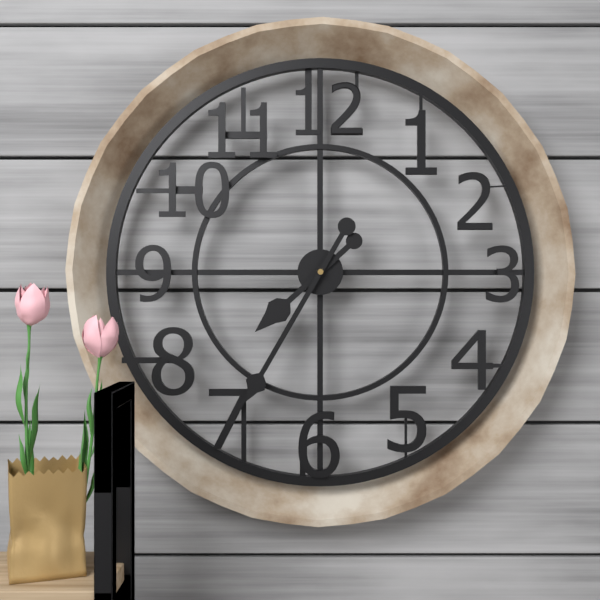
7 h 35 min
